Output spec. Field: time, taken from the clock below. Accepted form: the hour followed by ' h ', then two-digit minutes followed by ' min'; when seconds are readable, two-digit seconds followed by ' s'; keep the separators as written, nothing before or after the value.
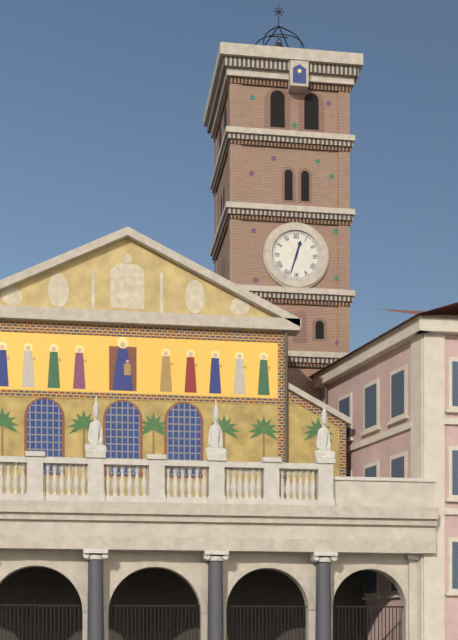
12 h 33 min
